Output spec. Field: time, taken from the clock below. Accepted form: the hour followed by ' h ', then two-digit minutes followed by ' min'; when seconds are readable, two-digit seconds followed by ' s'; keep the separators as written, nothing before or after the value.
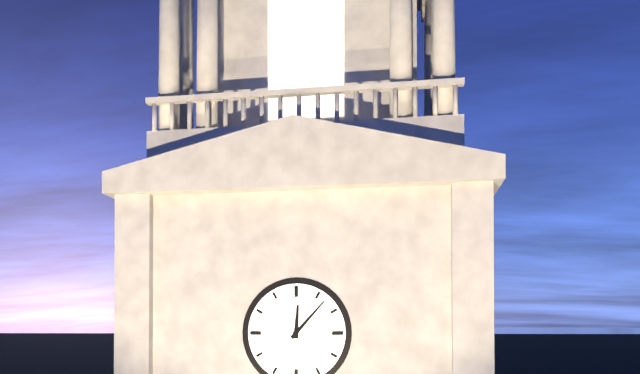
12 h 07 min
